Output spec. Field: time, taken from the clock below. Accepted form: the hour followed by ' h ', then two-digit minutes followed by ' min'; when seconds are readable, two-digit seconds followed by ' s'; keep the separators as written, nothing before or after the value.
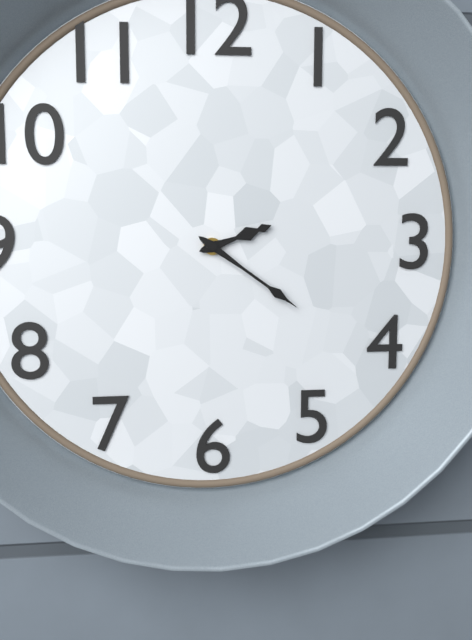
2 h 21 min
